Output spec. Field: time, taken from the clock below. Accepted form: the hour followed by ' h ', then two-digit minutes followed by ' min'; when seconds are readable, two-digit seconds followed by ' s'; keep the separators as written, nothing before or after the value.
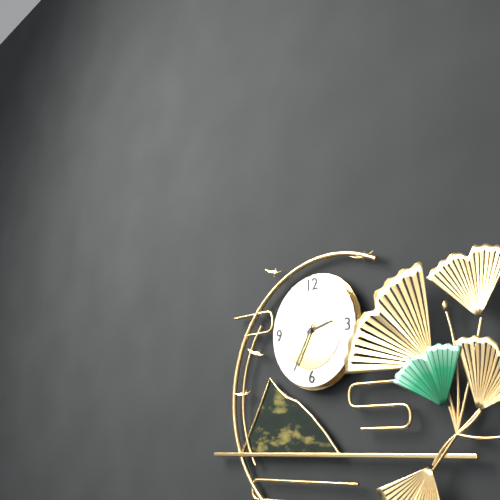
2 h 35 min
